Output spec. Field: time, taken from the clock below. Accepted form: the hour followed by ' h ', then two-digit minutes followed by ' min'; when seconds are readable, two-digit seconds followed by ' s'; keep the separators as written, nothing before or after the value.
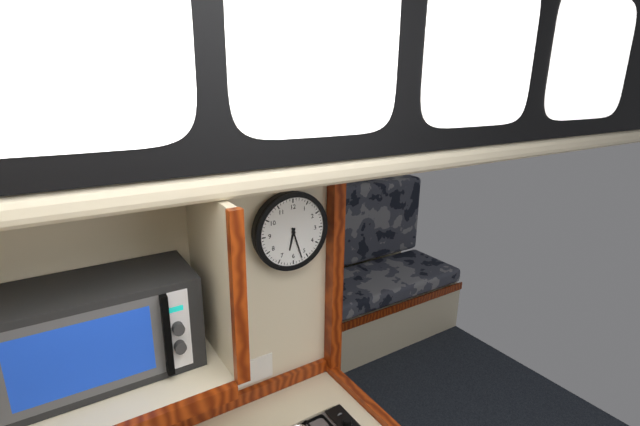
6 h 27 min
